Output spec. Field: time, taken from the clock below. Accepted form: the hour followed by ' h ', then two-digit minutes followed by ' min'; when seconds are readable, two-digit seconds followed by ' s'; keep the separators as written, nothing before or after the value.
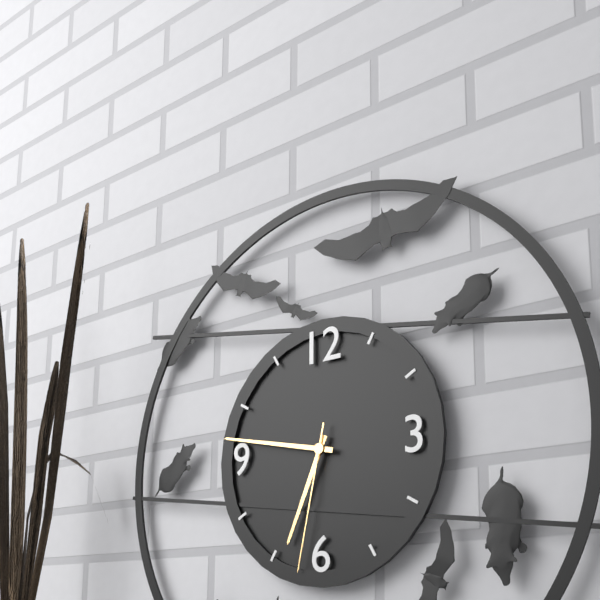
6 h 47 min 32 s
